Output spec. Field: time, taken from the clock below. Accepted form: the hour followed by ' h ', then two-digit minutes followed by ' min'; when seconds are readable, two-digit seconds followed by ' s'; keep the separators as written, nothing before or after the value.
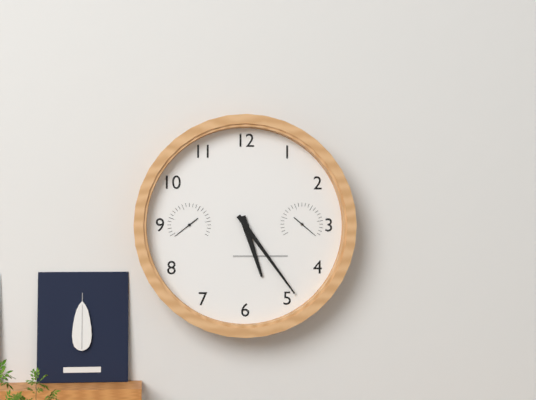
5 h 24 min
